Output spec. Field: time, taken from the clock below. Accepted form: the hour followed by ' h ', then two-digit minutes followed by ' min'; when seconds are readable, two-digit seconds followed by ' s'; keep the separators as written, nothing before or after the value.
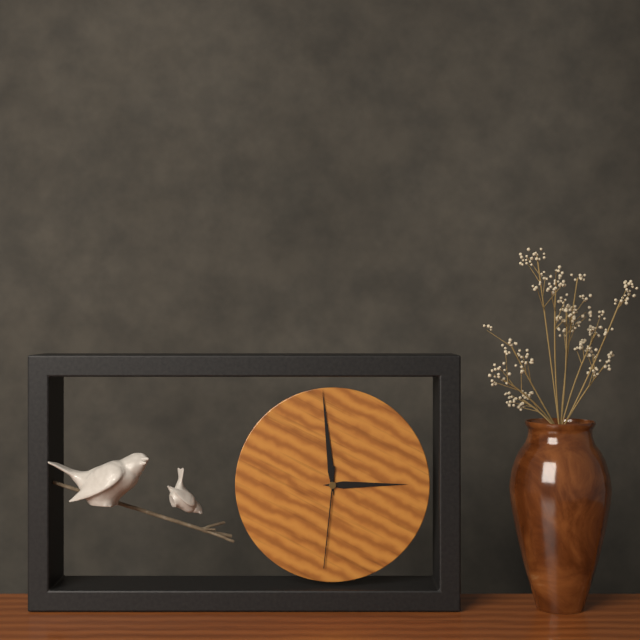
2 h 59 min 31 s
